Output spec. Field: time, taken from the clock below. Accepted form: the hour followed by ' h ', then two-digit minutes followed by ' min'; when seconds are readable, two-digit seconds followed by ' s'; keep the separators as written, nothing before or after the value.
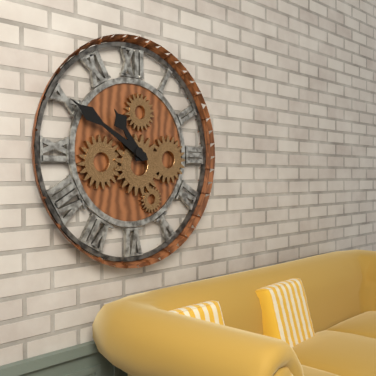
10 h 50 min
